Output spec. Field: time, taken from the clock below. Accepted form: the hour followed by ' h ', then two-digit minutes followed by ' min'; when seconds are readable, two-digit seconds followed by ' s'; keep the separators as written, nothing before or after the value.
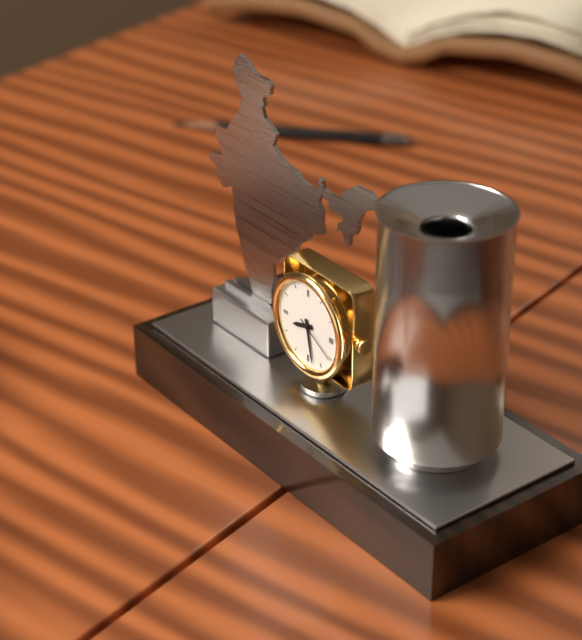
8 h 28 min
